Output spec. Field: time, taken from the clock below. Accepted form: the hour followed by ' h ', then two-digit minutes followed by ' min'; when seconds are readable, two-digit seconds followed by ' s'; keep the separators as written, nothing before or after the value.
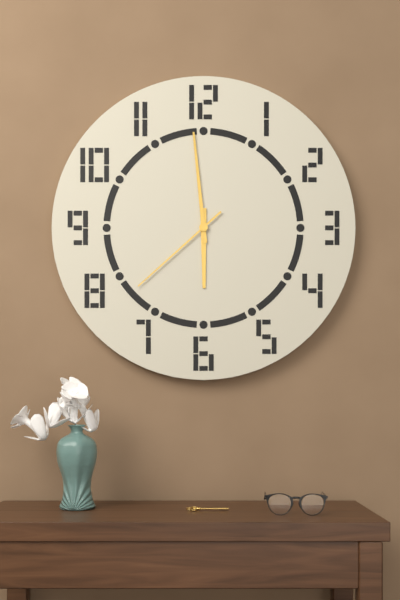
5 h 59 min 38 s
